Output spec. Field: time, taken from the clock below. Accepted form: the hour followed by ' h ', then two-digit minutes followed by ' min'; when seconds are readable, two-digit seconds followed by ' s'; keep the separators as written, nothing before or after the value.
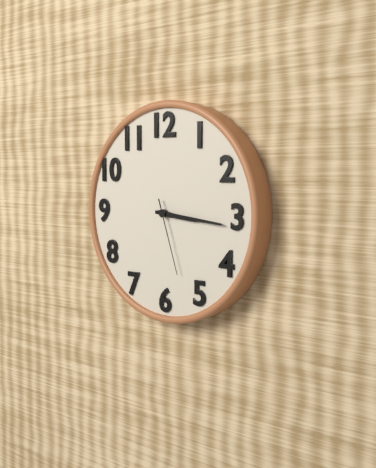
3 h 16 min 27 s
